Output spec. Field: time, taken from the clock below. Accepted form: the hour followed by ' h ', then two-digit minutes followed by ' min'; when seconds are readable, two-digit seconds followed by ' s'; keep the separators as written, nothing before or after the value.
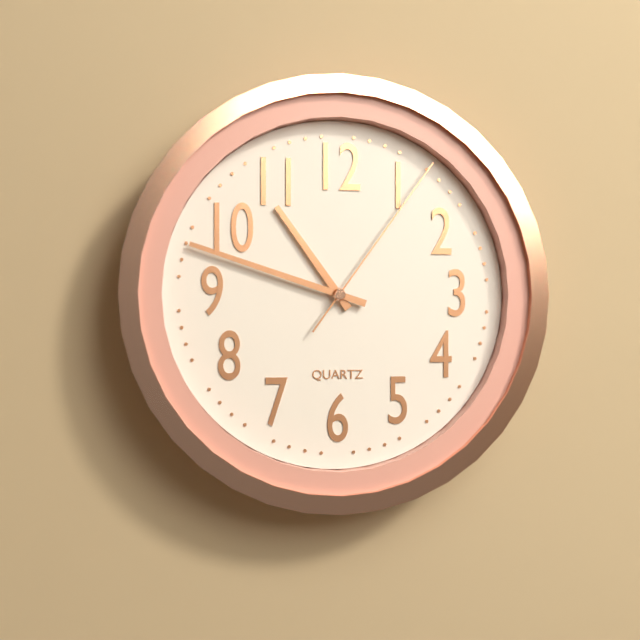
10 h 48 min 06 s
